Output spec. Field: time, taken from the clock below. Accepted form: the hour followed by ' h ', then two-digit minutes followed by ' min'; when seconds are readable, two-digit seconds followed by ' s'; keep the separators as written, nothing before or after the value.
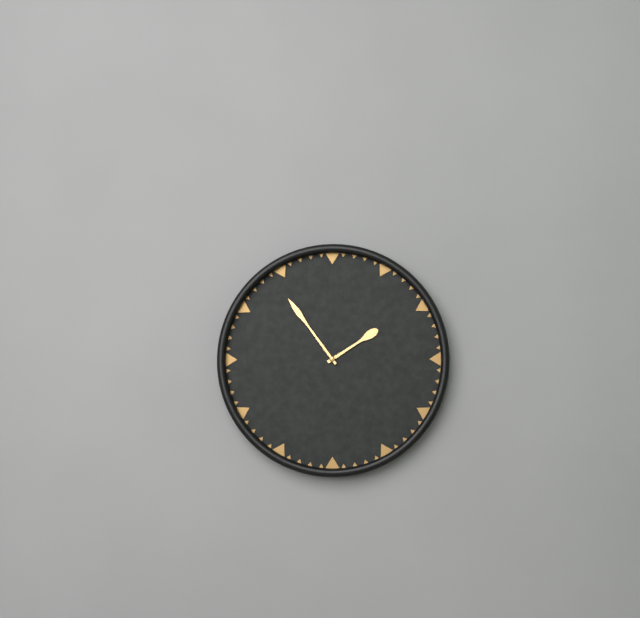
1 h 54 min
